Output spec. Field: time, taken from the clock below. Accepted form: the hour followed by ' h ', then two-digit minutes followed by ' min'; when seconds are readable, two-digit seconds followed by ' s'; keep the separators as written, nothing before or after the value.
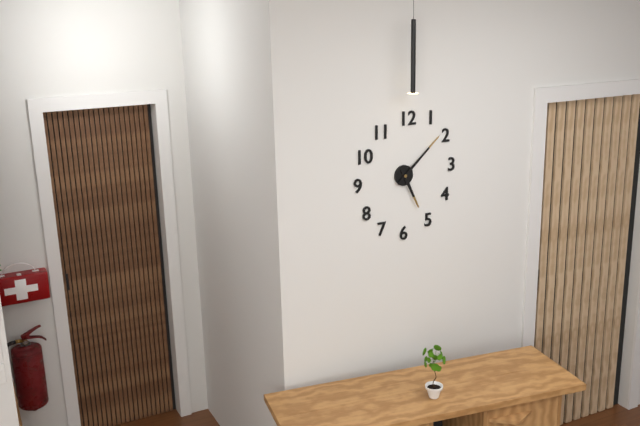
5 h 08 min
